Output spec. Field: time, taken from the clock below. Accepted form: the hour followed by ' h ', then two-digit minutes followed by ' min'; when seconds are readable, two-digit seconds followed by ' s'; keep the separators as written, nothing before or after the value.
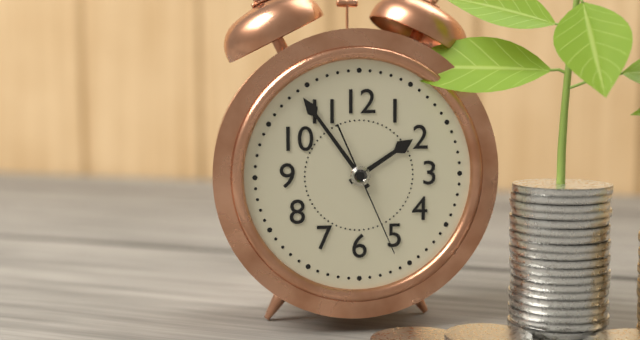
1 h 54 min 26 s
